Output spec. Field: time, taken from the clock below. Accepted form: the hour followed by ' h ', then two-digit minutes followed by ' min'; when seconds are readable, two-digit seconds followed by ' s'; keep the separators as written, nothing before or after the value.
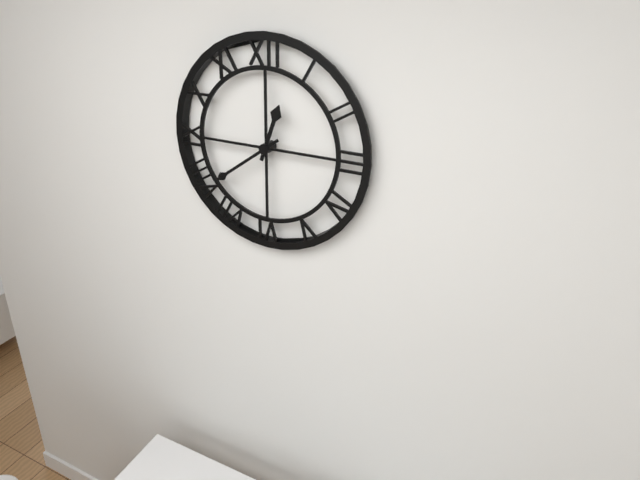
12 h 39 min
